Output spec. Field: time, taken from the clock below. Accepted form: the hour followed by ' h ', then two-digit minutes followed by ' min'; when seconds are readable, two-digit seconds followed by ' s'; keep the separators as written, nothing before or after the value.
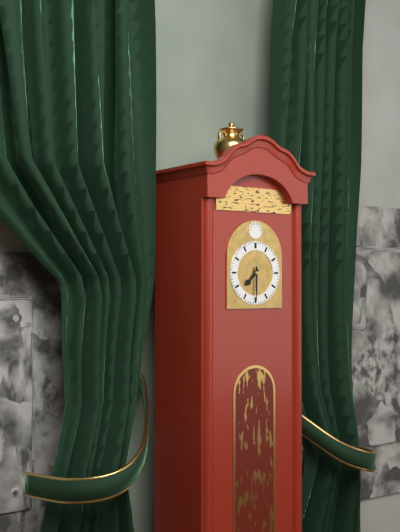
7 h 30 min
